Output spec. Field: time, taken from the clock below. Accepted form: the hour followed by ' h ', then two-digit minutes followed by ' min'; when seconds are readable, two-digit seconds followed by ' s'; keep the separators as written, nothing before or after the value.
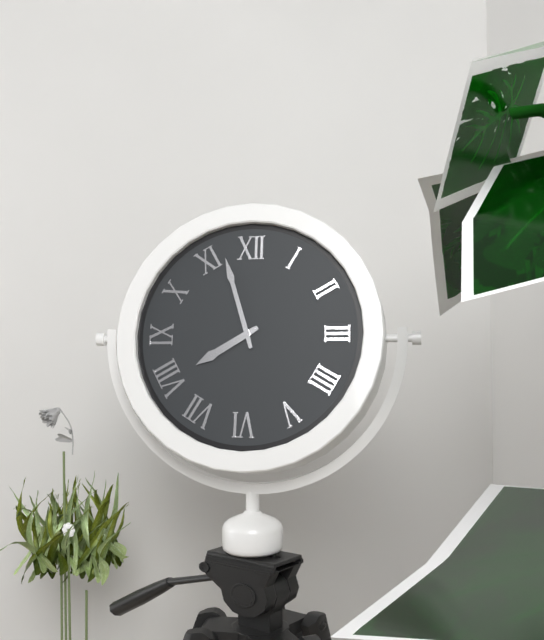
7 h 57 min
